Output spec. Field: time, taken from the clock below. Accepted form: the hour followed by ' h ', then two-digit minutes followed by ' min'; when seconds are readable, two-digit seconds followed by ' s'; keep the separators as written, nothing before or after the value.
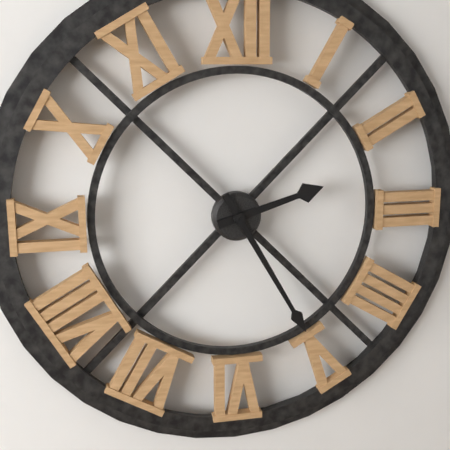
2 h 25 min
